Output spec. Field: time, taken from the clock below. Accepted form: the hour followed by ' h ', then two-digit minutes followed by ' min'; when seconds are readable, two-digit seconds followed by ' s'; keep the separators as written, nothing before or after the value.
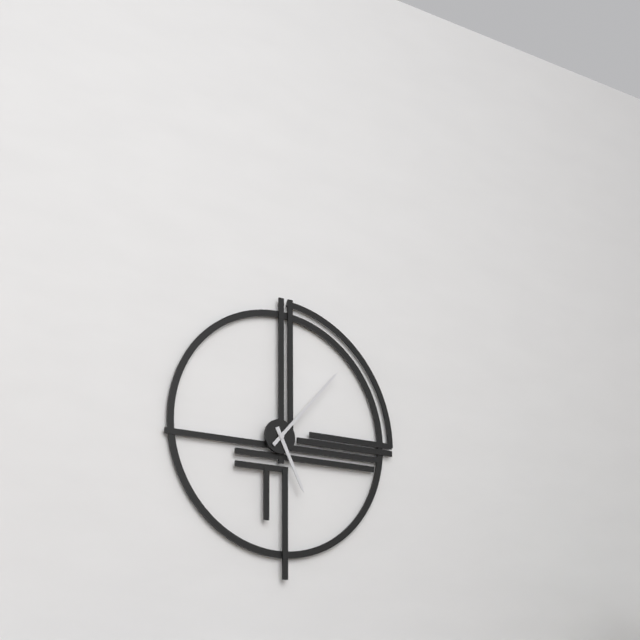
5 h 07 min
